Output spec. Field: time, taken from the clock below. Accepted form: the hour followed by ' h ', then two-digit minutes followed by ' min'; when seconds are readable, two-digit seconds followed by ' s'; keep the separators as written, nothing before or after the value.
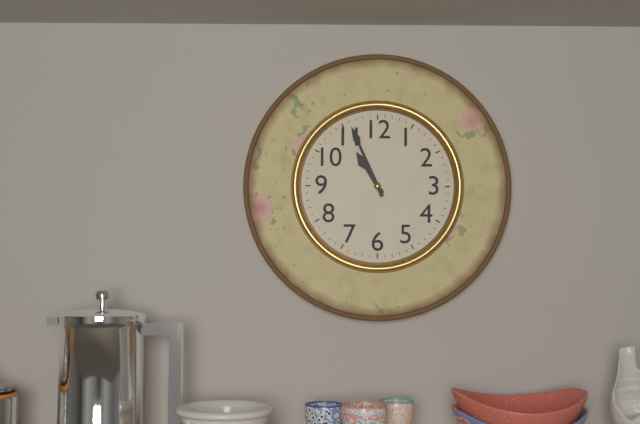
10 h 56 min
